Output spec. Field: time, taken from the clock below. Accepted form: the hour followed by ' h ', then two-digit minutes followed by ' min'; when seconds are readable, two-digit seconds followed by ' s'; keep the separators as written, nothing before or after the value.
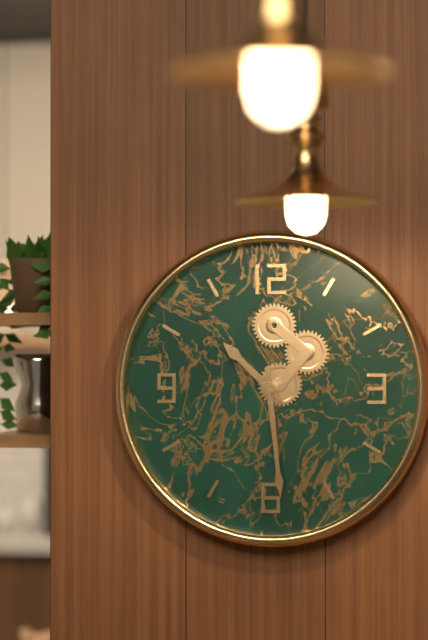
10 h 29 min
